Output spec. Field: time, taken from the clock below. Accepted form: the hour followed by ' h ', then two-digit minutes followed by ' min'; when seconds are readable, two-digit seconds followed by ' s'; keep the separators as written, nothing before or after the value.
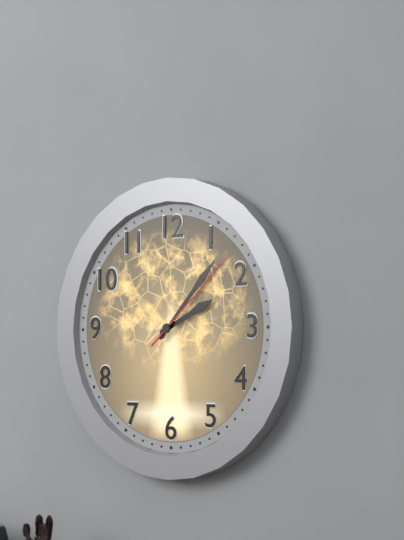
2 h 07 min 08 s
